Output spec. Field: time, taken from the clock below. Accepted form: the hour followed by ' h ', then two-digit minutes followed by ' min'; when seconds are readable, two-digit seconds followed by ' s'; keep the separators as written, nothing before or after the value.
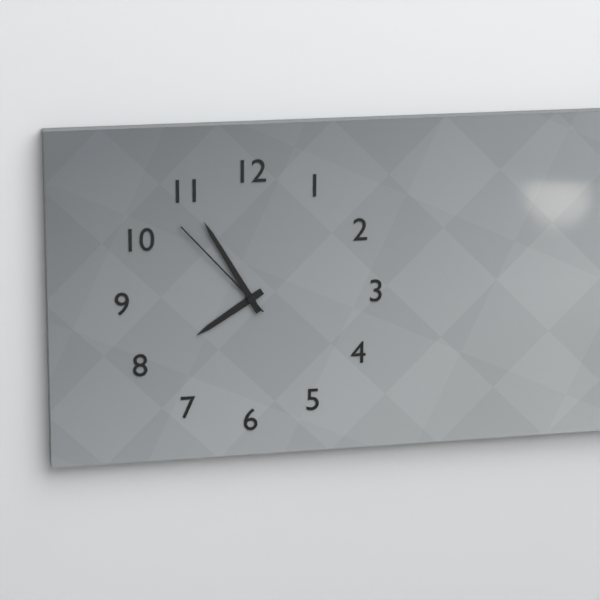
7 h 55 min 53 s
